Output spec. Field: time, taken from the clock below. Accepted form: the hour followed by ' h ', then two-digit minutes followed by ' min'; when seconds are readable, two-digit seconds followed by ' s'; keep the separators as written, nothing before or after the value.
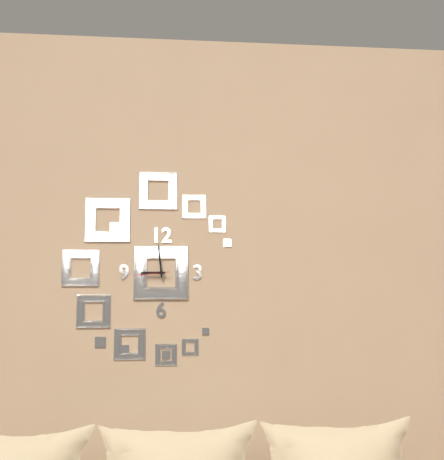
8 h 59 min
